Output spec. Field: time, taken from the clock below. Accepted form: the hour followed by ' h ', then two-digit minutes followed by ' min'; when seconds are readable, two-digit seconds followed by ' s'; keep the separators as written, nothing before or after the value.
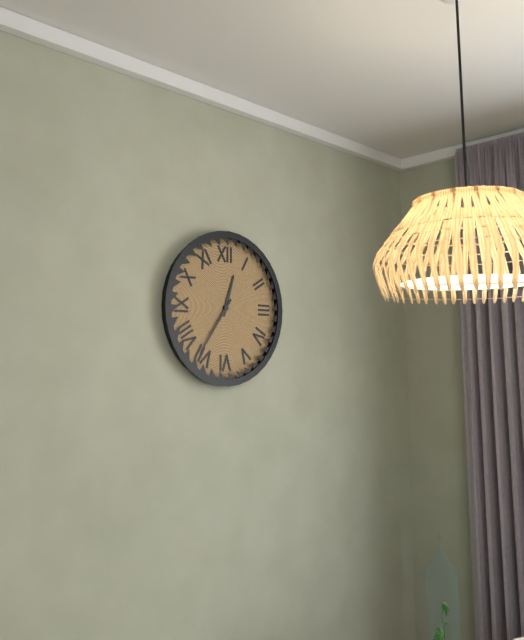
12 h 36 min
